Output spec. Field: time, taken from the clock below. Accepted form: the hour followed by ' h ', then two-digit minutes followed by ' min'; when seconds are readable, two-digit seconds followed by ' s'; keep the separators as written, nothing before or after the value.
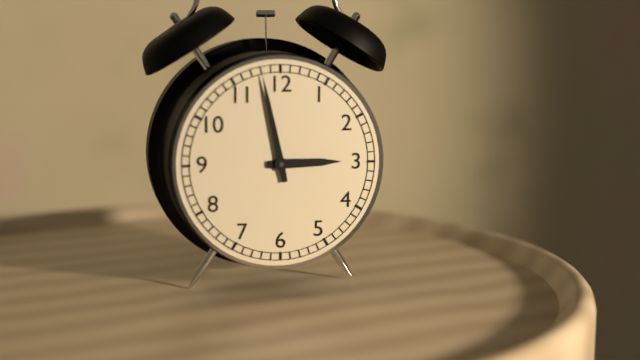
2 h 58 min
